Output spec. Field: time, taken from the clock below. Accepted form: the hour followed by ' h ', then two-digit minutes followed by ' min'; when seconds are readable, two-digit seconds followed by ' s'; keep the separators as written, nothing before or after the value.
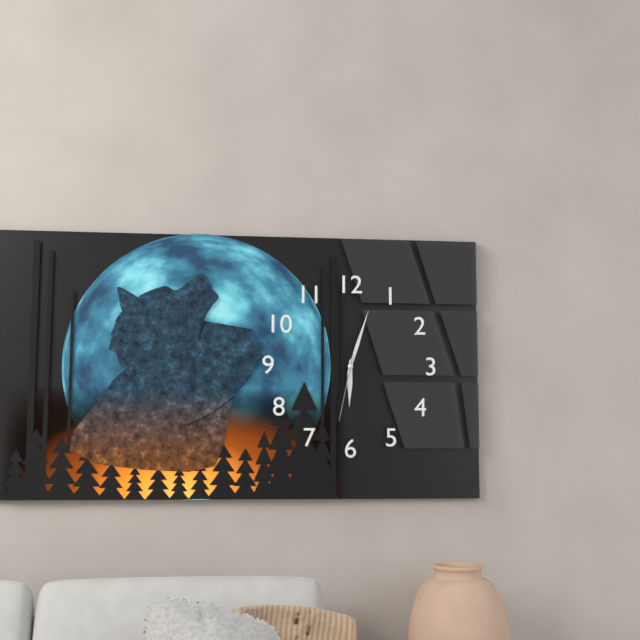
6 h 03 min 32 s
